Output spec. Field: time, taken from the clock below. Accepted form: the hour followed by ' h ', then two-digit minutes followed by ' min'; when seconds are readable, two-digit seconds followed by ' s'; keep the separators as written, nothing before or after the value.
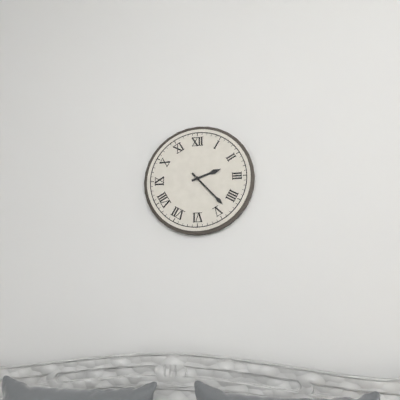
2 h 23 min
